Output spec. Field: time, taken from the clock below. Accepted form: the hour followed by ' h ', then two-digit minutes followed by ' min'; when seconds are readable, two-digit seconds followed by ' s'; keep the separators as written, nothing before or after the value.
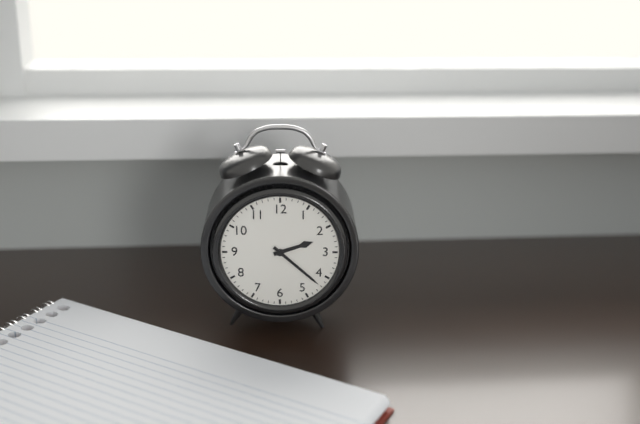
2 h 22 min
